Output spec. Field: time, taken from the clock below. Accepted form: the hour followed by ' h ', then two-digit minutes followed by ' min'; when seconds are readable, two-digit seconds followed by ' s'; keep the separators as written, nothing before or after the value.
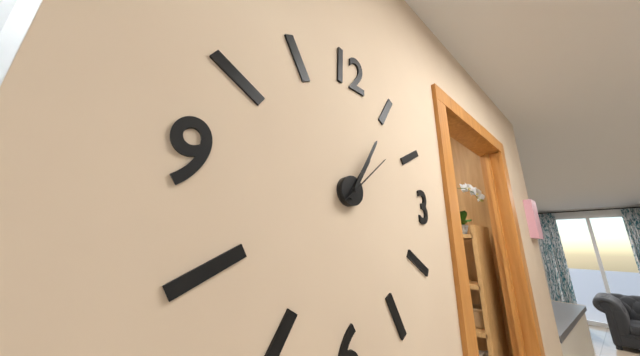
1 h 05 min 08 s
